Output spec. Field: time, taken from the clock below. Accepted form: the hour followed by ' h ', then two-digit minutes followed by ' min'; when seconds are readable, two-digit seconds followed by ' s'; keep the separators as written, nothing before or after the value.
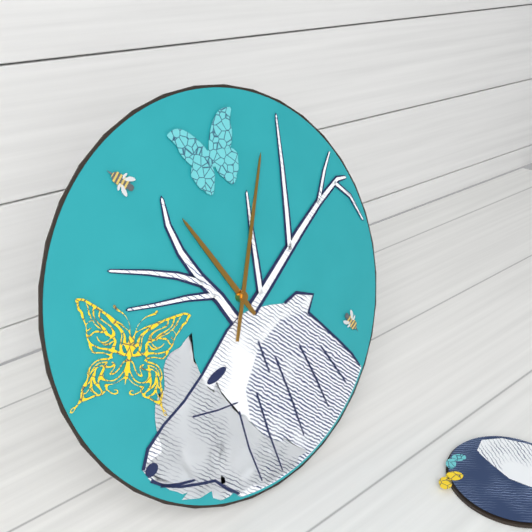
11 h 04 min
